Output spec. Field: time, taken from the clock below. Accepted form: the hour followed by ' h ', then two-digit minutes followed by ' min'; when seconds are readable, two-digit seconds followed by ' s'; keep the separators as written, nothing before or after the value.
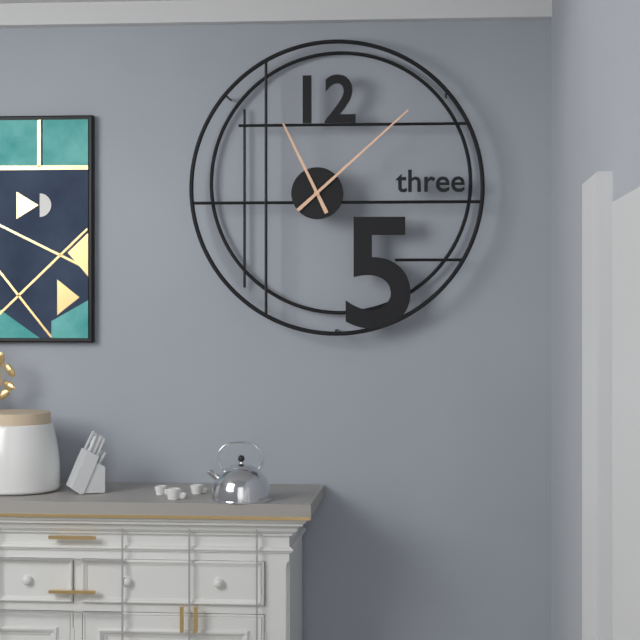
11 h 08 min
